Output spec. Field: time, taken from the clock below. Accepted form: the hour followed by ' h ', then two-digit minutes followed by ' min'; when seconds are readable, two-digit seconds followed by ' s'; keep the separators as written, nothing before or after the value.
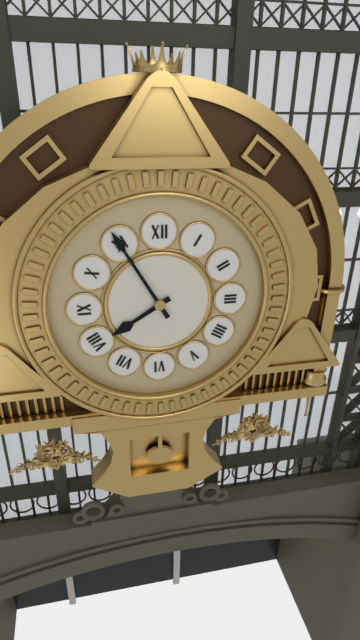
7 h 55 min
